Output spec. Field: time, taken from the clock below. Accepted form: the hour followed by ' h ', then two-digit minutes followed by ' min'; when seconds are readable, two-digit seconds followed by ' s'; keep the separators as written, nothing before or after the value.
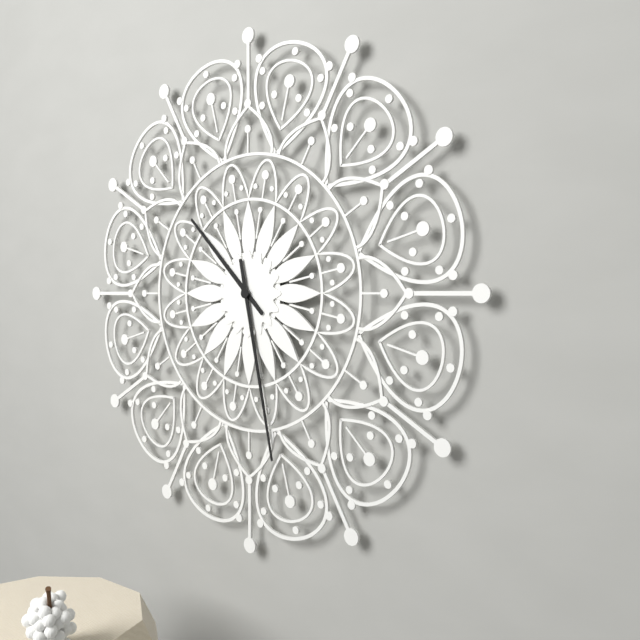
10 h 28 min
